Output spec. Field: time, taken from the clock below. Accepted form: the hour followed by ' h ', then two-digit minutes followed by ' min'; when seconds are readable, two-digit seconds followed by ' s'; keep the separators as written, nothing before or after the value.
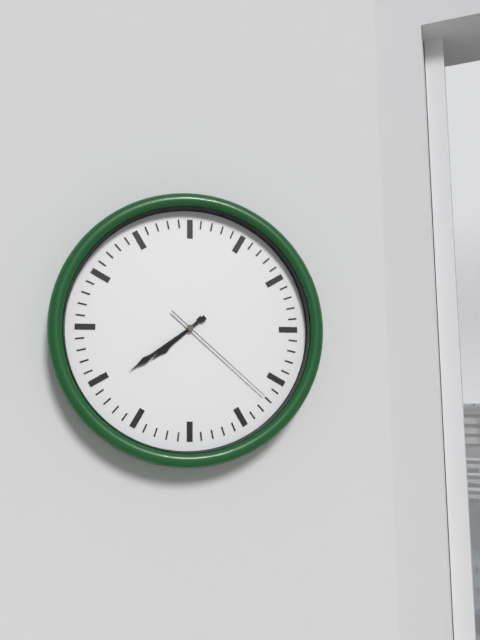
7 h 39 min 22 s
